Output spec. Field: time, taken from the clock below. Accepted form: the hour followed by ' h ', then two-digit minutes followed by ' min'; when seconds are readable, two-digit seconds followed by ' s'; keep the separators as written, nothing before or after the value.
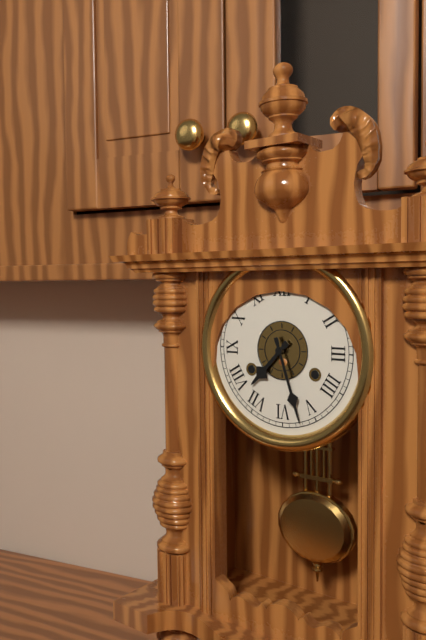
7 h 27 min
